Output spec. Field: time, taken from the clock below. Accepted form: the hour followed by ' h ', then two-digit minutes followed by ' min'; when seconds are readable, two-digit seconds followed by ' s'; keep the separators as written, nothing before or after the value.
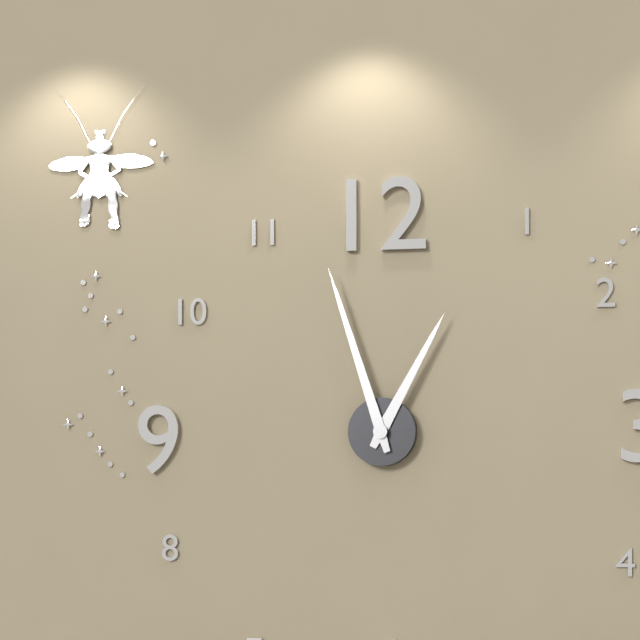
12 h 57 min
